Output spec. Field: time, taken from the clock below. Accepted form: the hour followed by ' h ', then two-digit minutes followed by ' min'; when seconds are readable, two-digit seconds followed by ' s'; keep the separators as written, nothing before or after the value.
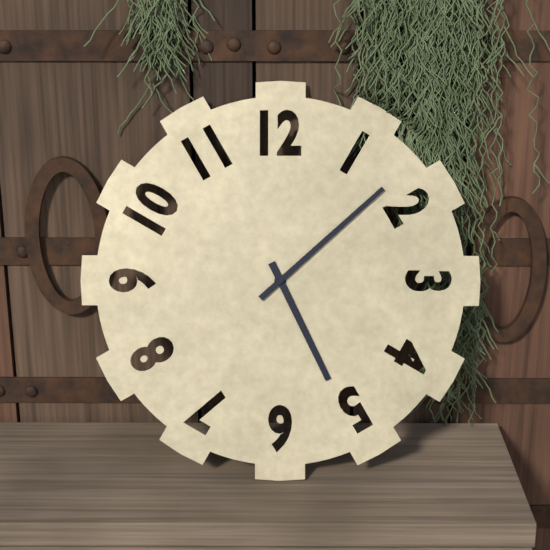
5 h 08 min
